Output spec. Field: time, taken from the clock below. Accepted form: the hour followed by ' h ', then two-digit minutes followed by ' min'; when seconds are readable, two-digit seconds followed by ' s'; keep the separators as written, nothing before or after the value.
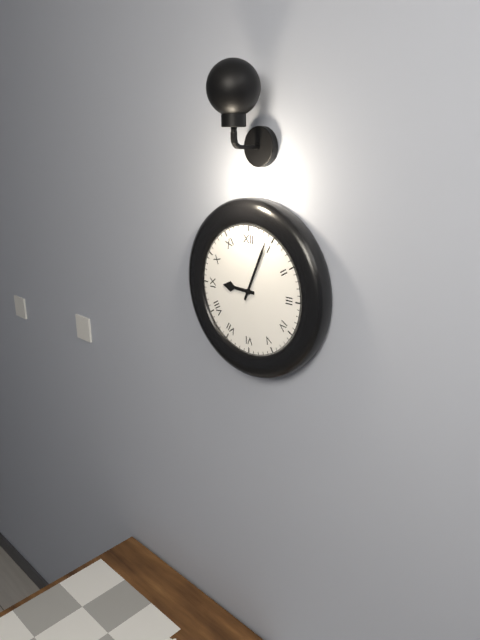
9 h 04 min
